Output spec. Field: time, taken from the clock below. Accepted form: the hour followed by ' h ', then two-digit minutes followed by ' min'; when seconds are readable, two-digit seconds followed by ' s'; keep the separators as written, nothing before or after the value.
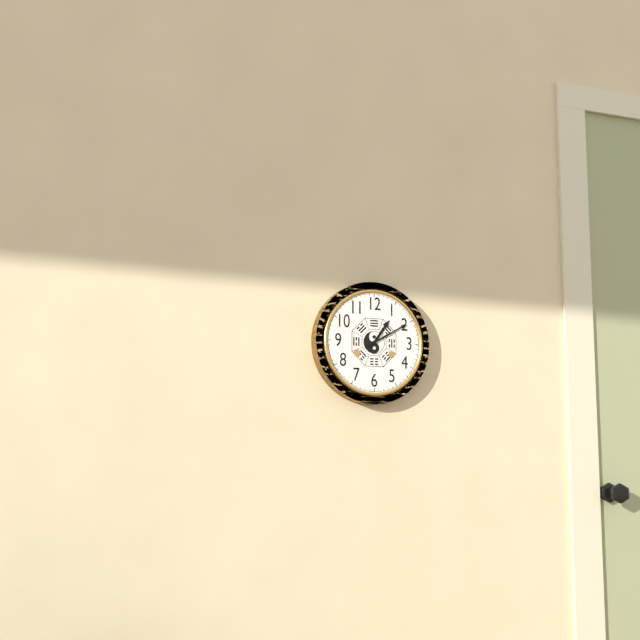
1 h 10 min
